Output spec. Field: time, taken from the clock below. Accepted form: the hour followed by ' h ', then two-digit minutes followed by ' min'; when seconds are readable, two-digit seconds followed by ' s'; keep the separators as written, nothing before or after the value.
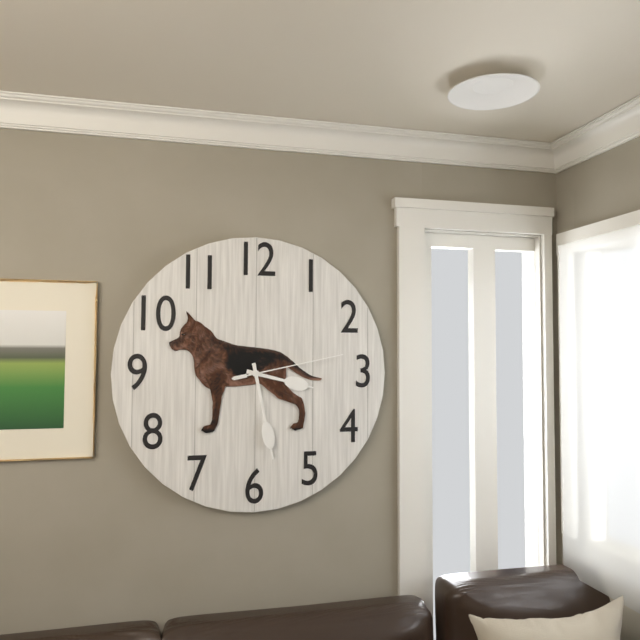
3 h 28 min 13 s
